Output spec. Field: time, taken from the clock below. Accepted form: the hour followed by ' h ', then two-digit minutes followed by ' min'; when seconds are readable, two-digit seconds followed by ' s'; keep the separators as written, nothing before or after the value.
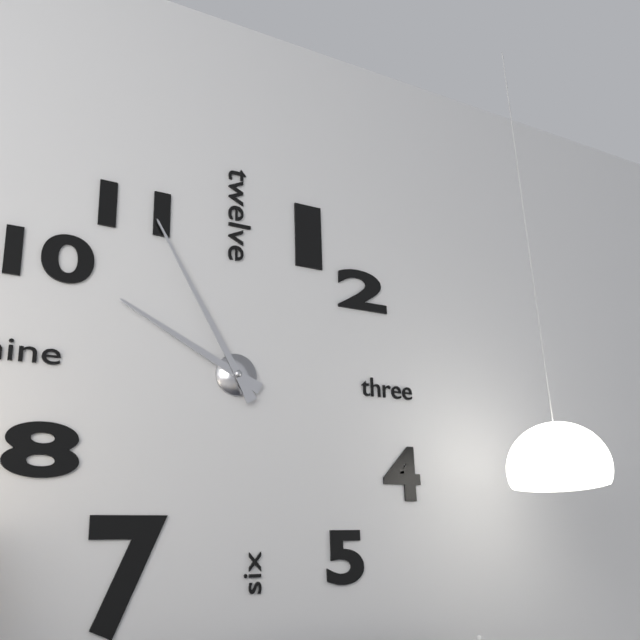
9 h 55 min
